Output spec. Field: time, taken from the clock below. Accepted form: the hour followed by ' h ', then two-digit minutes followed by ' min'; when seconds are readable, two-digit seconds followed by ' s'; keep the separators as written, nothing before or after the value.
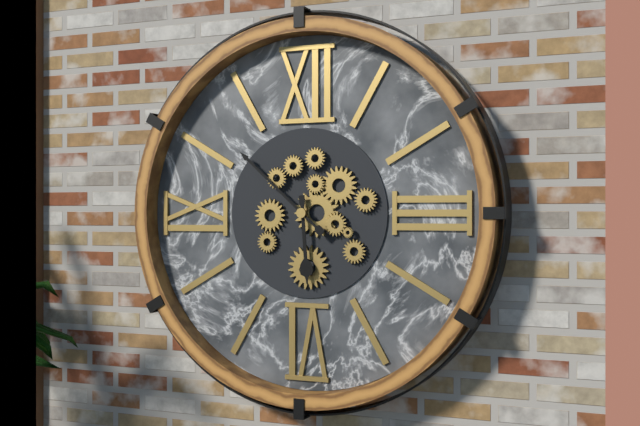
5 h 52 min
